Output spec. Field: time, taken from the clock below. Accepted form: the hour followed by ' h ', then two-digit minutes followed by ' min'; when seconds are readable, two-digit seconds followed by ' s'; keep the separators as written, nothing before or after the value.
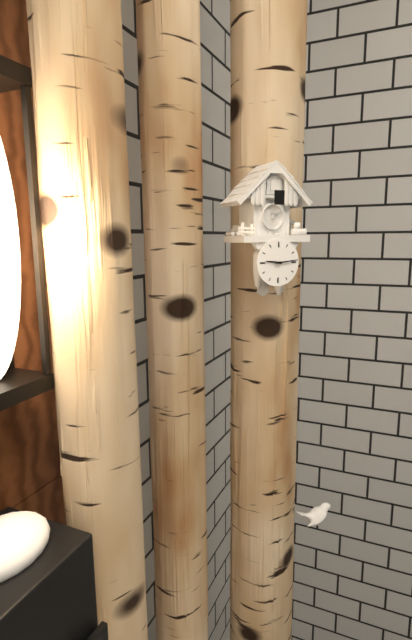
9 h 14 min
